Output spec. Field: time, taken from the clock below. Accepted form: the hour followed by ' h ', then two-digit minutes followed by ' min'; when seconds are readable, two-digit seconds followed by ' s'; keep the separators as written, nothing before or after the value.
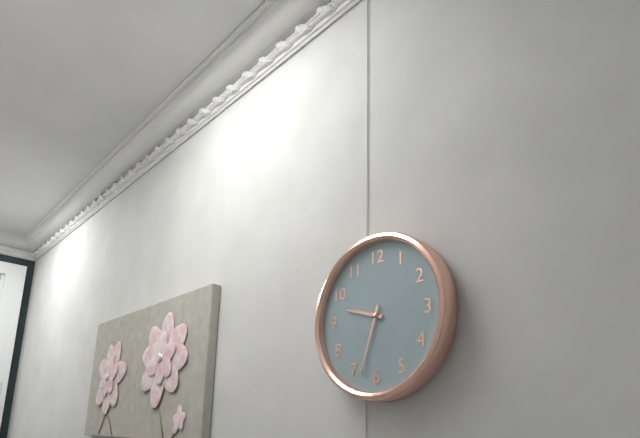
9 h 33 min
